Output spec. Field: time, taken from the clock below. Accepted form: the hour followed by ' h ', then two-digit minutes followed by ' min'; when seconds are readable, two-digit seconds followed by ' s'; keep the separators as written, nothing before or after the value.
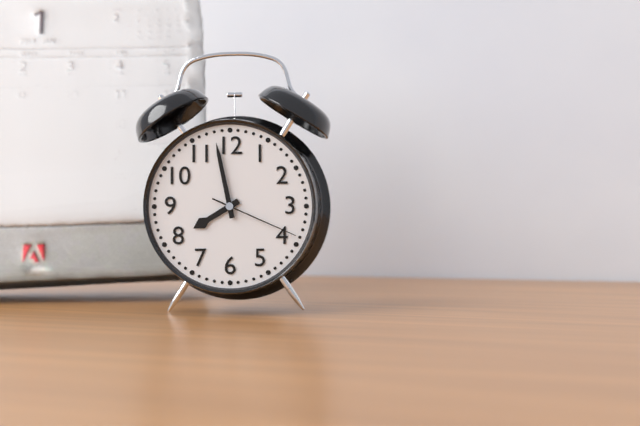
7 h 58 min 19 s
